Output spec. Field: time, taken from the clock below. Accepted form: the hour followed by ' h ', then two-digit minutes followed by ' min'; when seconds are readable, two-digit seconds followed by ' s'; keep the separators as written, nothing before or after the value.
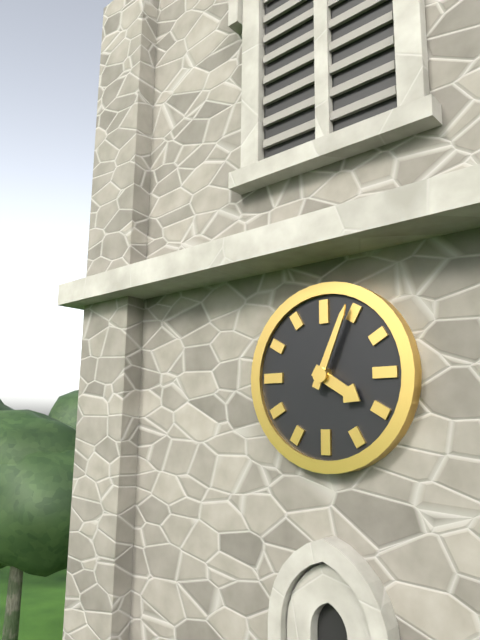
4 h 04 min
